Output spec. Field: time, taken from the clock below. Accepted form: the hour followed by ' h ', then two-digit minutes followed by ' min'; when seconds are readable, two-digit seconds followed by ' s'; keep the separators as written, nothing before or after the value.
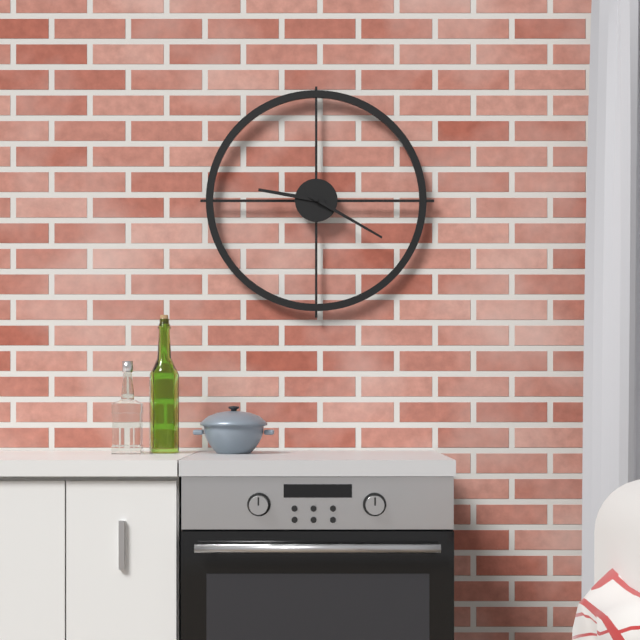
9 h 20 min
